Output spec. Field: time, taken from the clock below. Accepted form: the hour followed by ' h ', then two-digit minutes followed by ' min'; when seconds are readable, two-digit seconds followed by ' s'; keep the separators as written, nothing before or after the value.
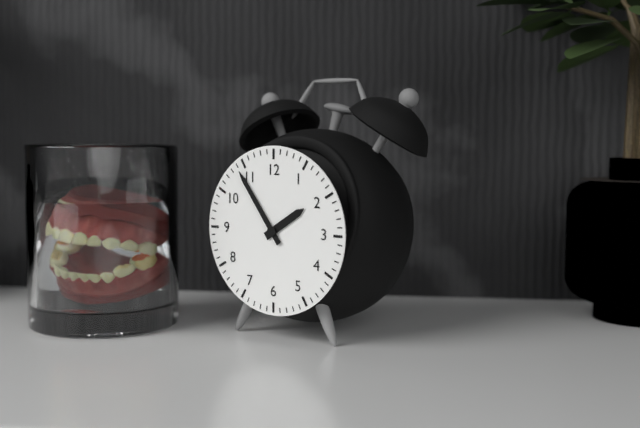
1 h 54 min
